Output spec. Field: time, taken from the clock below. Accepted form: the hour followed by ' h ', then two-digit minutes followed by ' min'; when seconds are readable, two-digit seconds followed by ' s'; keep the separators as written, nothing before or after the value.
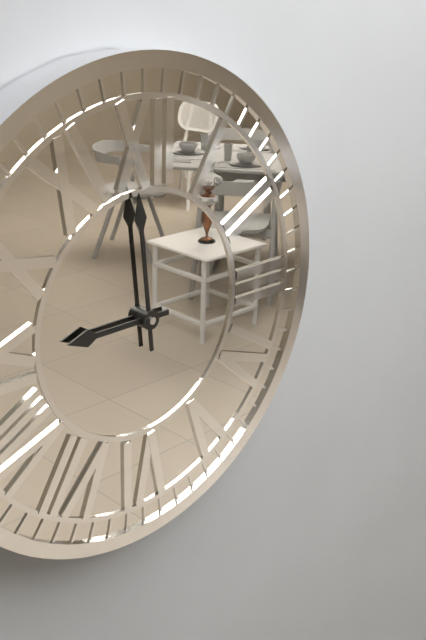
8 h 59 min
